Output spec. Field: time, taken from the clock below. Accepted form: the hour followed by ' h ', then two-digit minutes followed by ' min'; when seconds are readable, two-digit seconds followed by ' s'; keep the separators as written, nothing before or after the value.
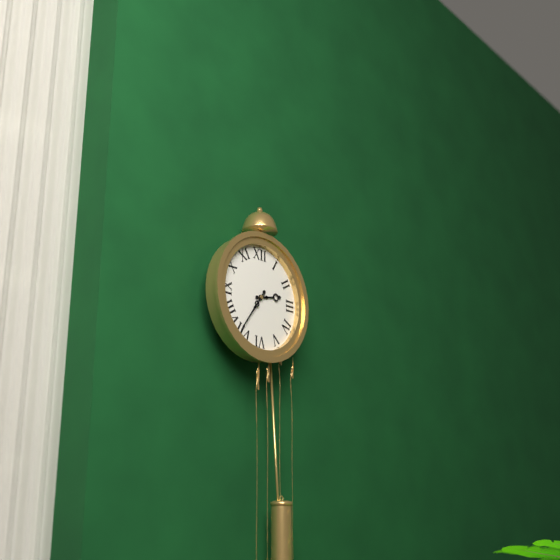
2 h 36 min
